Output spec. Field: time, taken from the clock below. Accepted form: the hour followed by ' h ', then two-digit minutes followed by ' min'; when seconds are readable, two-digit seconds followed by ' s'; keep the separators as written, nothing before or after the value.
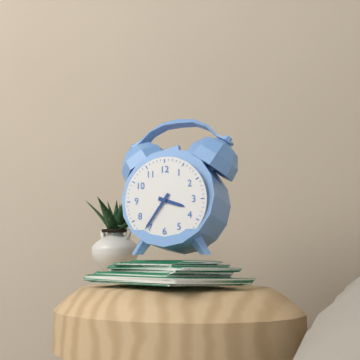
3 h 36 min
